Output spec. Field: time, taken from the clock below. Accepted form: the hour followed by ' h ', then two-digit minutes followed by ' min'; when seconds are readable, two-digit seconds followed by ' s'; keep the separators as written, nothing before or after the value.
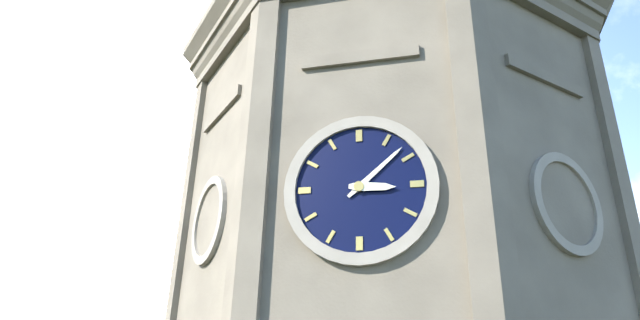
3 h 08 min
